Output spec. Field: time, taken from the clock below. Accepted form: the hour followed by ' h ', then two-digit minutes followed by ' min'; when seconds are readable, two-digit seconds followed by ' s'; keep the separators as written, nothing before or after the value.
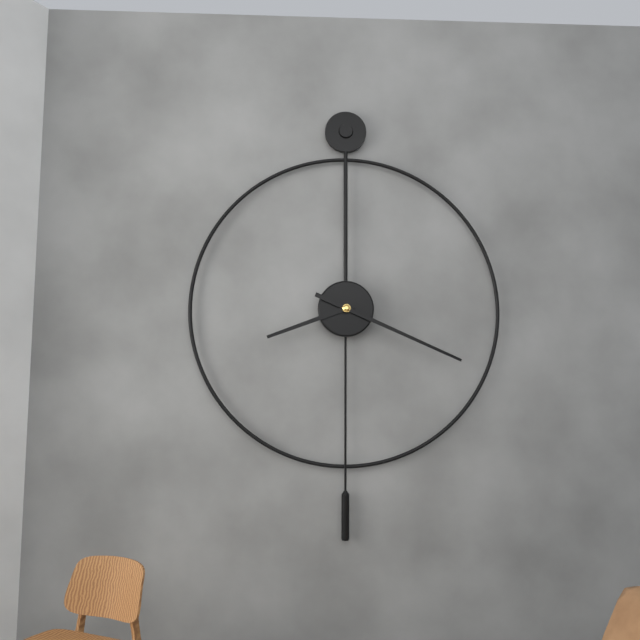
8 h 19 min
